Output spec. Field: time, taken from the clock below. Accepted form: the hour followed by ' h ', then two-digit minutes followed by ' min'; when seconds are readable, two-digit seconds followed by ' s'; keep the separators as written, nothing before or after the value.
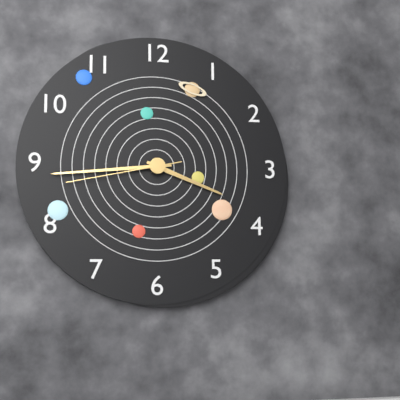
3 h 44 min 43 s
